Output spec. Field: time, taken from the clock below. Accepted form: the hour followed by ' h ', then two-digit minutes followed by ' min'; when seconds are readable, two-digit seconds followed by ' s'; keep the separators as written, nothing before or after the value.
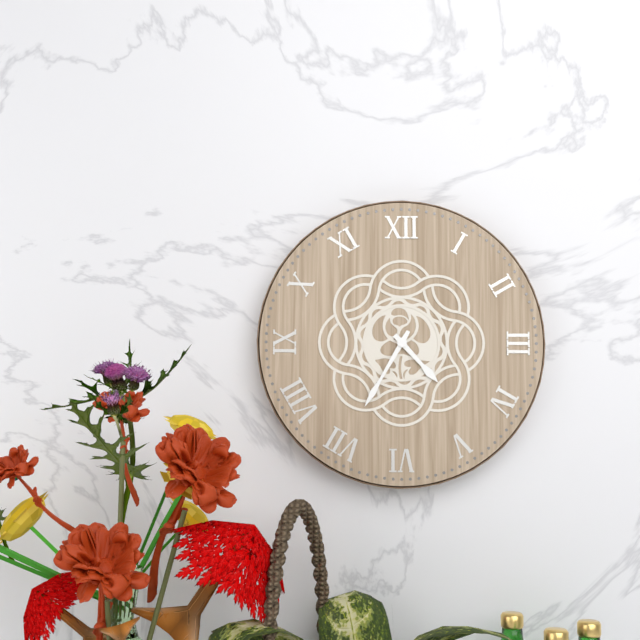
4 h 35 min
